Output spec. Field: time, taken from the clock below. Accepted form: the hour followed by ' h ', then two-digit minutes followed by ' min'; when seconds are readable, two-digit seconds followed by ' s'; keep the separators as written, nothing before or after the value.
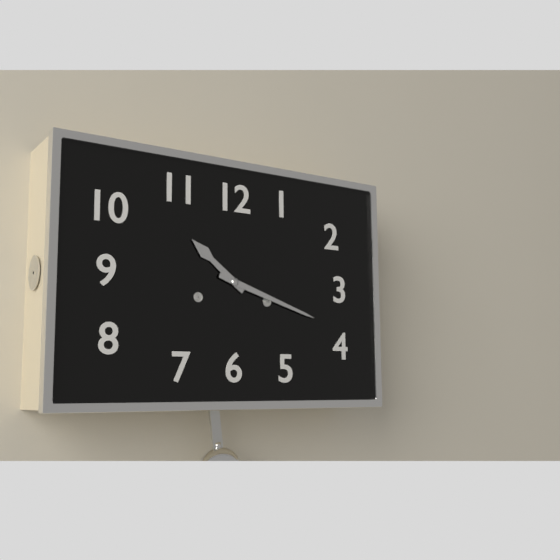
10 h 18 min
